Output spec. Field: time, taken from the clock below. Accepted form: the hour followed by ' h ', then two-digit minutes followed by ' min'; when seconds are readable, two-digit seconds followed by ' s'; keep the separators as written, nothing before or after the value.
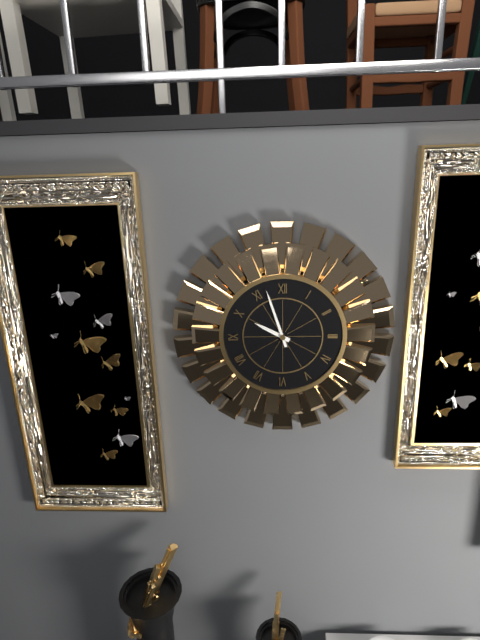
9 h 57 min
